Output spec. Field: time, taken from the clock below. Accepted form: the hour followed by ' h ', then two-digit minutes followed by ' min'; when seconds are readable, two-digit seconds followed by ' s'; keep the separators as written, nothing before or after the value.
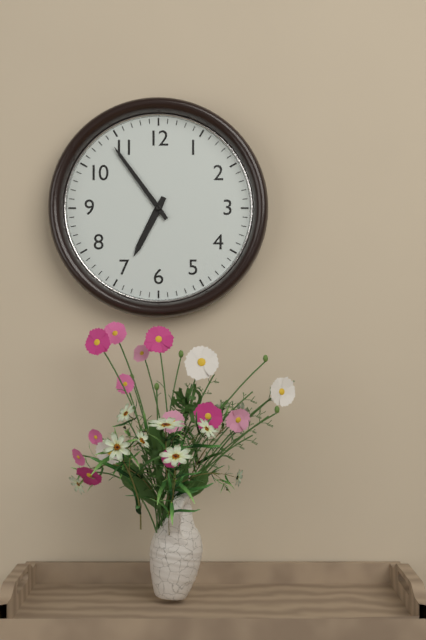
6 h 54 min
